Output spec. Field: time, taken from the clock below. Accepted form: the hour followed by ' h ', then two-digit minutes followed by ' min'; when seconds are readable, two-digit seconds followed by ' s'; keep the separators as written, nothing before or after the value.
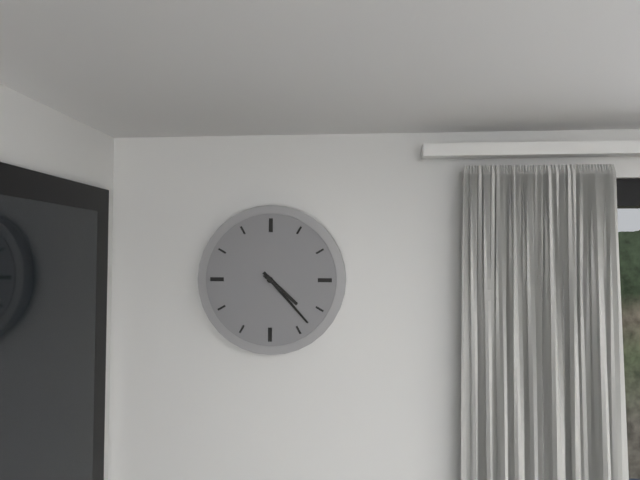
4 h 23 min
